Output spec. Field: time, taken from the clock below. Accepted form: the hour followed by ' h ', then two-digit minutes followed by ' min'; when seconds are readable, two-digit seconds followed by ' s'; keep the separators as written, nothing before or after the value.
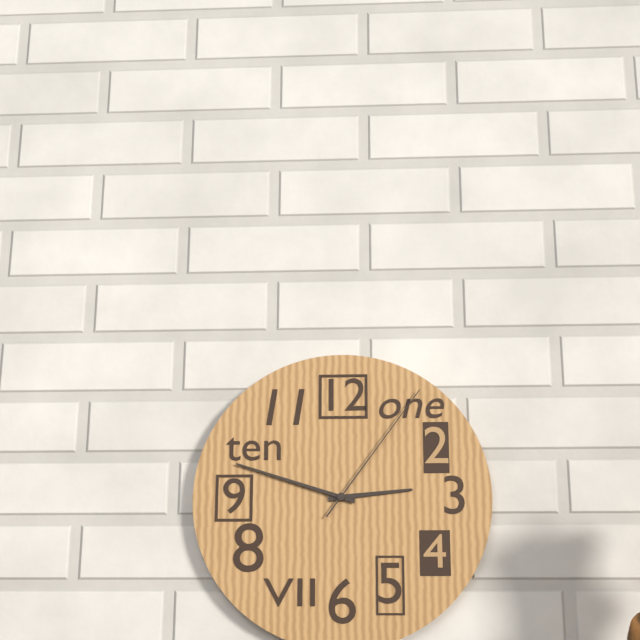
2 h 48 min 06 s
